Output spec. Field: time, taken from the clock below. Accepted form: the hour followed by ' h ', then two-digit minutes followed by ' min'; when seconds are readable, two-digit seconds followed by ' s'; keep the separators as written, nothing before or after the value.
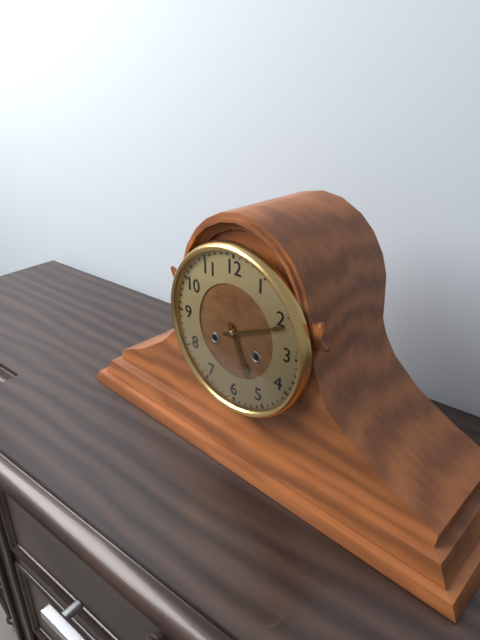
5 h 11 min
